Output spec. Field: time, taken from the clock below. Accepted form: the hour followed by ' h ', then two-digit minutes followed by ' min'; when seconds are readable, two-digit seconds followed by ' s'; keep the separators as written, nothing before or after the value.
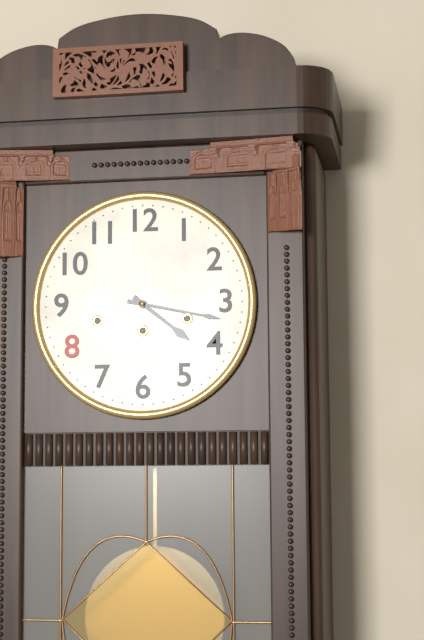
4 h 17 min
